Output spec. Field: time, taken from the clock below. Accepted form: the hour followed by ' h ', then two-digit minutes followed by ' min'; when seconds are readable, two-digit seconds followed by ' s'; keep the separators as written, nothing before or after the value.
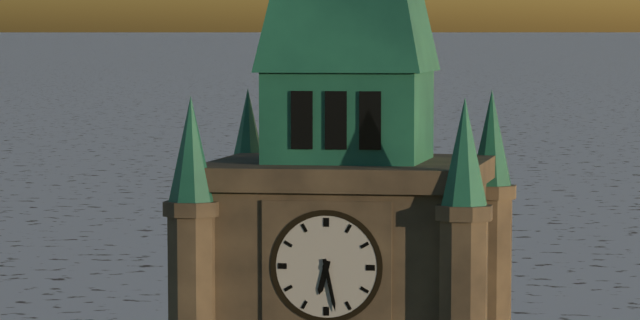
6 h 28 min
